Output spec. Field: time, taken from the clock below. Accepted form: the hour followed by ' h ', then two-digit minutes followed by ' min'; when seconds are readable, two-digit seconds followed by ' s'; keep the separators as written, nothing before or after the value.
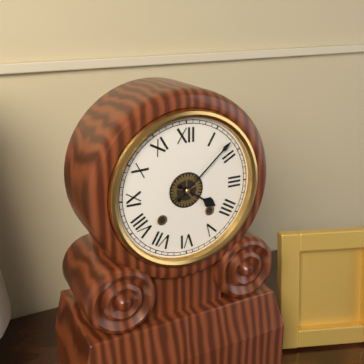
4 h 08 min
